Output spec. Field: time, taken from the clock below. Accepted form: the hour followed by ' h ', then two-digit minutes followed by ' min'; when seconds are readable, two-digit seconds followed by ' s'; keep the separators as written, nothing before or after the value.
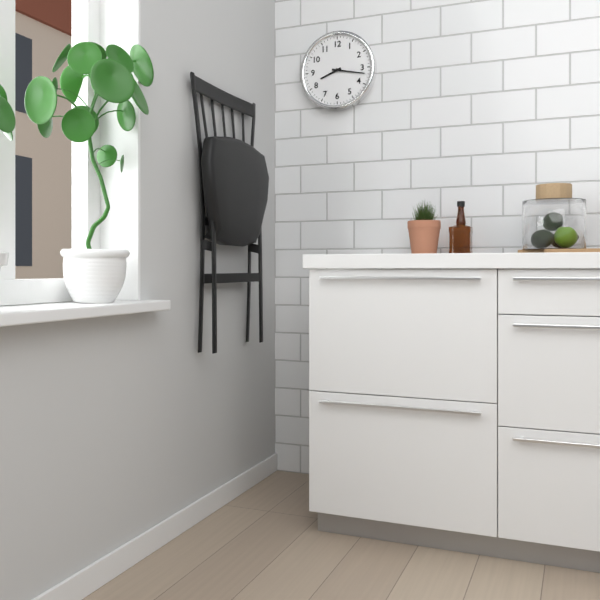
8 h 17 min
